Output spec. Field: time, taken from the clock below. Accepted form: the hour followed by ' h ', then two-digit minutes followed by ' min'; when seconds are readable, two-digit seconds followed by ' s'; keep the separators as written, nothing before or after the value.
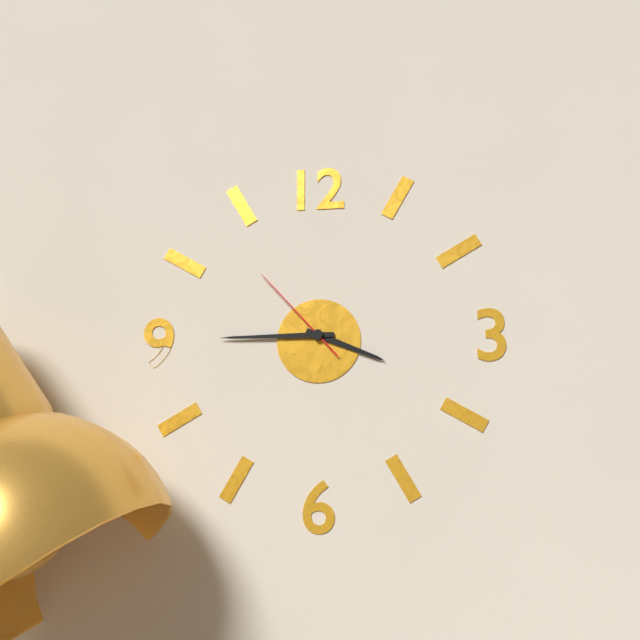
3 h 45 min 53 s
